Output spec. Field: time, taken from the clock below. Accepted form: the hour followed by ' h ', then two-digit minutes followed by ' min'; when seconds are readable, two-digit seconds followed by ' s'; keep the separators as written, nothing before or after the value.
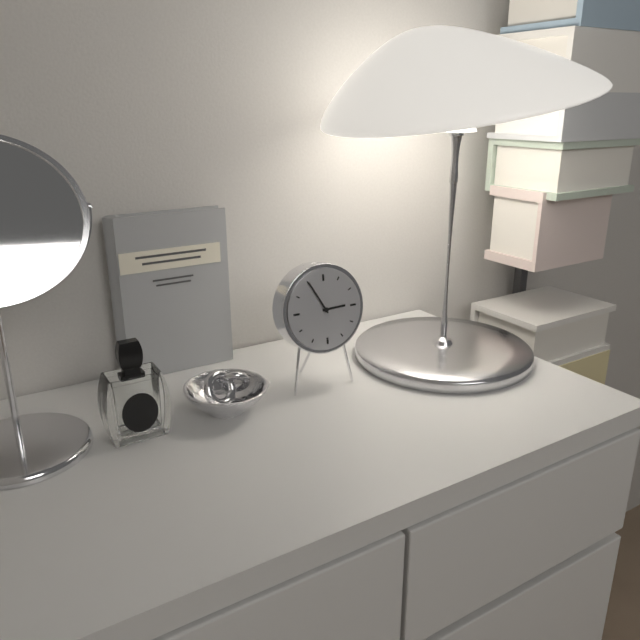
2 h 55 min
